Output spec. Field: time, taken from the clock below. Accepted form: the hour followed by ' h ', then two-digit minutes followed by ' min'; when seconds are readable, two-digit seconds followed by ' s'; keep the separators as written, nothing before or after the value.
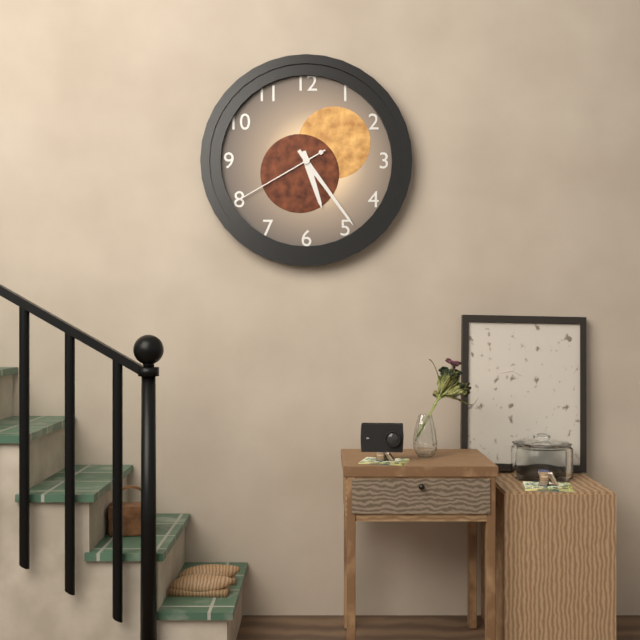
5 h 24 min 40 s
